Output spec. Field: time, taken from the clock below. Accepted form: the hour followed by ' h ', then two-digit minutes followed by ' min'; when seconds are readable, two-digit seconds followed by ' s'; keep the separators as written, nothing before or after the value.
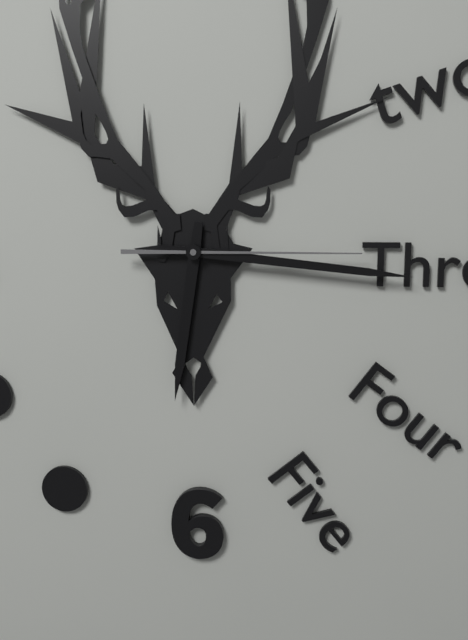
6 h 16 min 15 s
